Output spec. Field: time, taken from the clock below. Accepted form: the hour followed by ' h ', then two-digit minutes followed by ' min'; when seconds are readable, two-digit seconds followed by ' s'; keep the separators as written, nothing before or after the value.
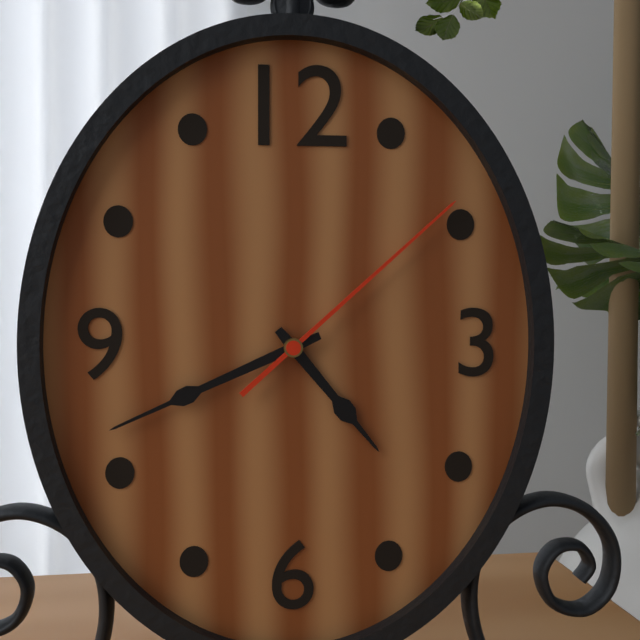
4 h 41 min 08 s
